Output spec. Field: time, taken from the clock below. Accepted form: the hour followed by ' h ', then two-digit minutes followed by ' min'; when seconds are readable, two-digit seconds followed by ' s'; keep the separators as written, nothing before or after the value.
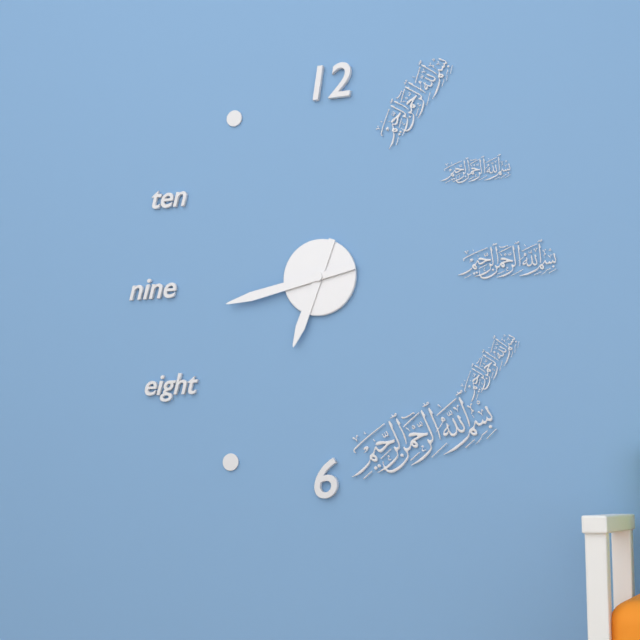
6 h 43 min
